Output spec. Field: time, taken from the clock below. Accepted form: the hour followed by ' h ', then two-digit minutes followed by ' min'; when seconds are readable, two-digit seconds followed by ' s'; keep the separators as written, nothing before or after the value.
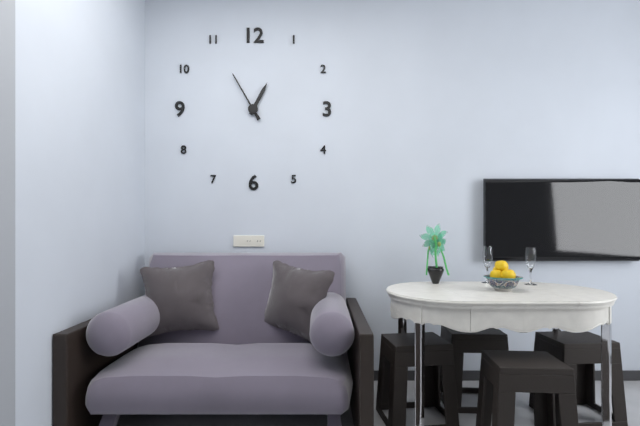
12 h 55 min
